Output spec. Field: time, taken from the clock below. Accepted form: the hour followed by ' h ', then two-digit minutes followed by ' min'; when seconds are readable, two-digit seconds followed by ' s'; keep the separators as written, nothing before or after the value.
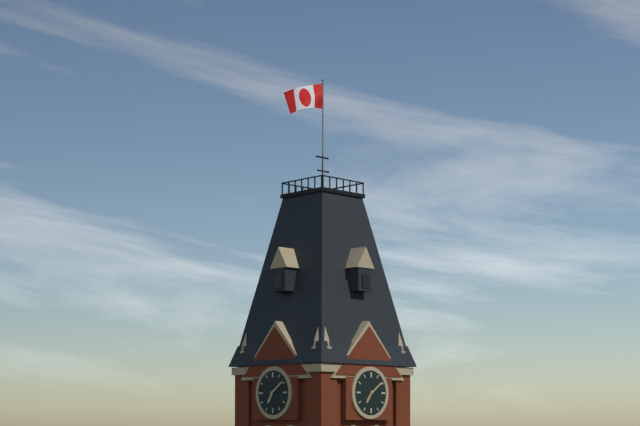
7 h 09 min
